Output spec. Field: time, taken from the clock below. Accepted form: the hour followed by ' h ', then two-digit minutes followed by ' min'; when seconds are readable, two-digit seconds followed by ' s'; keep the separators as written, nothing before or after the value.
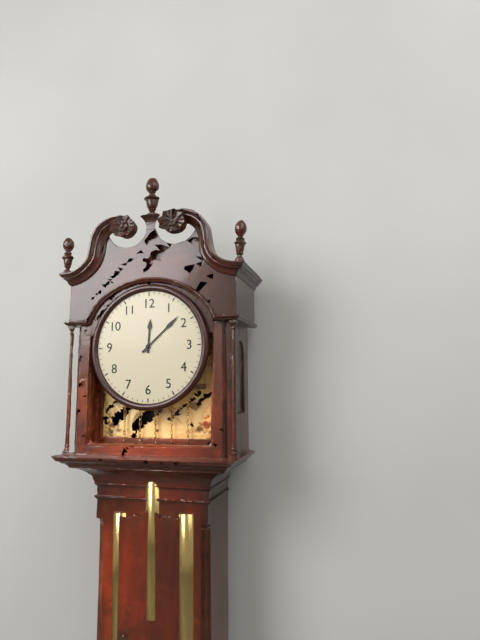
12 h 08 min
